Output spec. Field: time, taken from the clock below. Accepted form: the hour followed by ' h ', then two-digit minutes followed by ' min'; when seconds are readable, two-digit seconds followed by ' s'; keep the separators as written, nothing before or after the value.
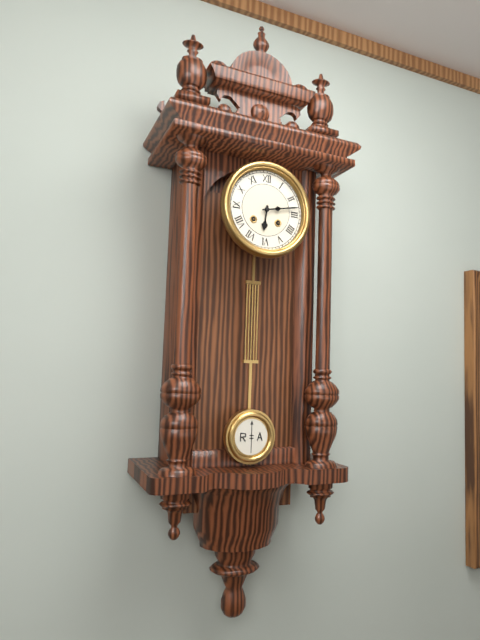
6 h 13 min
